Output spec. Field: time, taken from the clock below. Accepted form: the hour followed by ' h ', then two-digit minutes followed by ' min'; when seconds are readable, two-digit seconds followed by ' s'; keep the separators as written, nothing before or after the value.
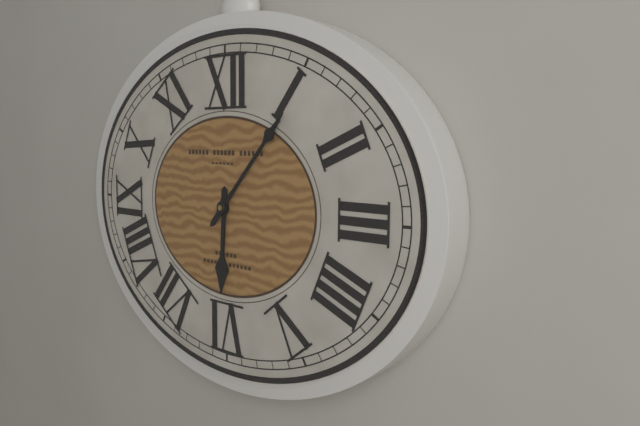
6 h 07 min
